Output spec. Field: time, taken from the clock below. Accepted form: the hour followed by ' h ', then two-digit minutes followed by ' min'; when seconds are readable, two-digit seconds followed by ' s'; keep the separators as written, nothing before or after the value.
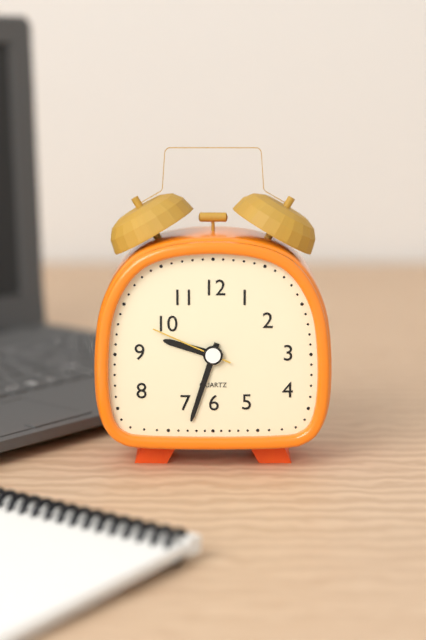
9 h 33 min 49 s
